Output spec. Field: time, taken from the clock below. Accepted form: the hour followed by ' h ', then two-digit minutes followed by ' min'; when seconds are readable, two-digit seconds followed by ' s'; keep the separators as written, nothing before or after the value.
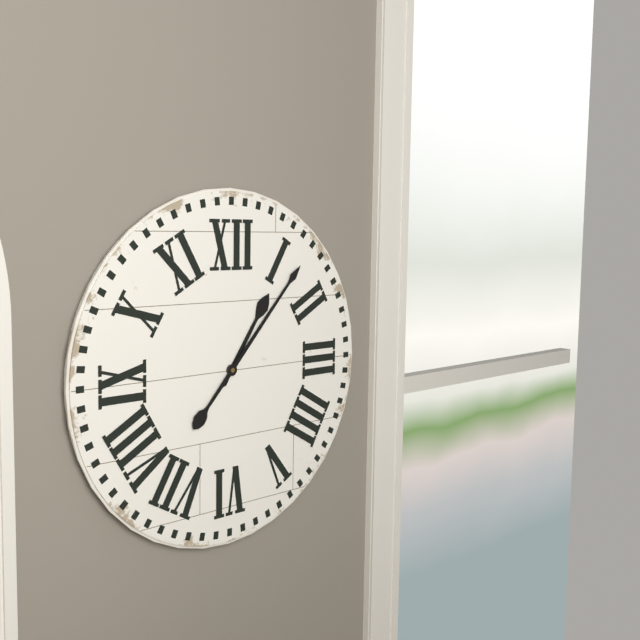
1 h 07 min
